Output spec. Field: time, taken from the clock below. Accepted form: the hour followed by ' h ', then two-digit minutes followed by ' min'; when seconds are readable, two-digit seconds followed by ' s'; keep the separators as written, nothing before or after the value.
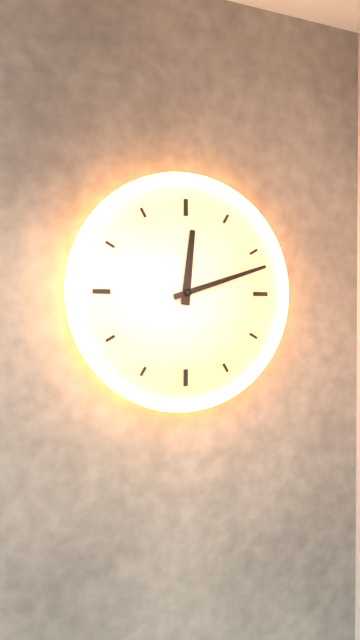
12 h 12 min
